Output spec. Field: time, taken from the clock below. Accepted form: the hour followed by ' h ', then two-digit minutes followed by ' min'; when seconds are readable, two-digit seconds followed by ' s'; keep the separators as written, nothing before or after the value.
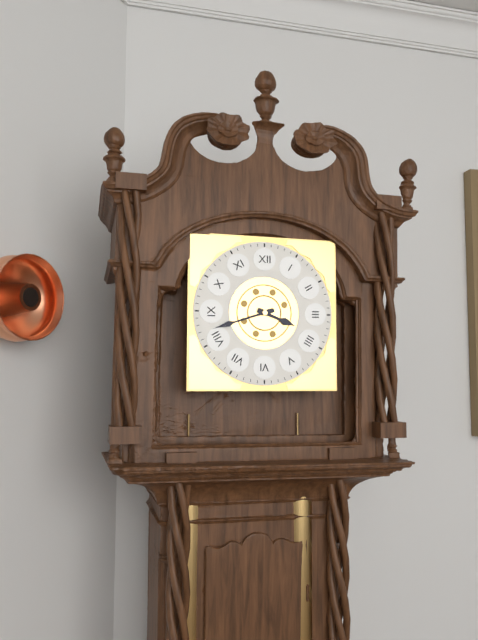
3 h 42 min
